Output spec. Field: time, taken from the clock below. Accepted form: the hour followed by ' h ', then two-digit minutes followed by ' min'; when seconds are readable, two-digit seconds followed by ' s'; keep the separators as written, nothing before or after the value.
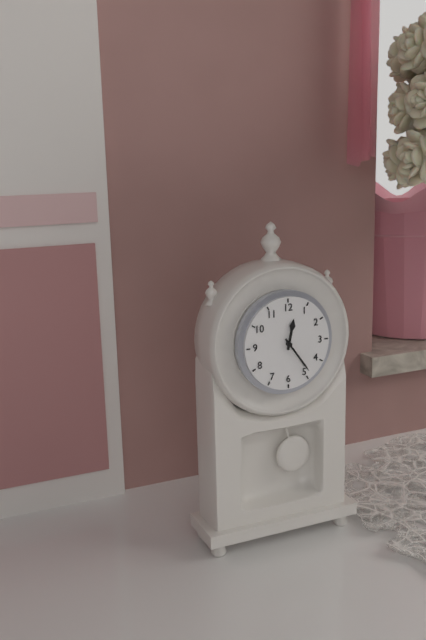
12 h 24 min
